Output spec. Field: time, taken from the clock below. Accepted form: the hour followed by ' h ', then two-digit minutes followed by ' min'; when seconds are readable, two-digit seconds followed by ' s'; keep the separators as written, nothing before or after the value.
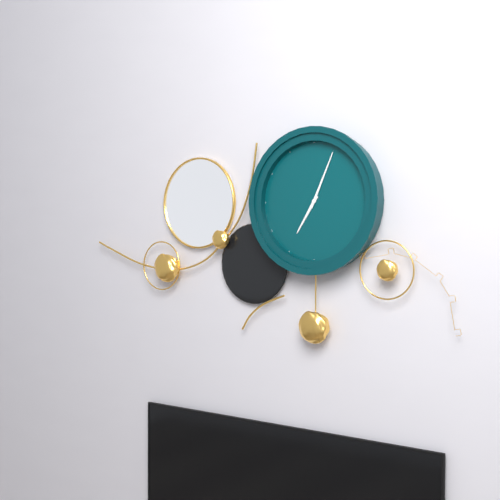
7 h 04 min
